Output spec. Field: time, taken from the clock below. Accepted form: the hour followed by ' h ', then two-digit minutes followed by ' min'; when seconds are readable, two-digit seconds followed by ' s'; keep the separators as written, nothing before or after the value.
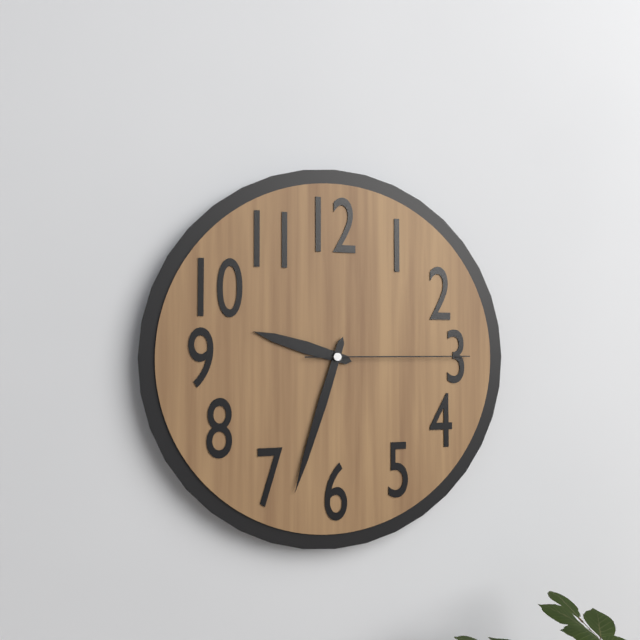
9 h 33 min 15 s
